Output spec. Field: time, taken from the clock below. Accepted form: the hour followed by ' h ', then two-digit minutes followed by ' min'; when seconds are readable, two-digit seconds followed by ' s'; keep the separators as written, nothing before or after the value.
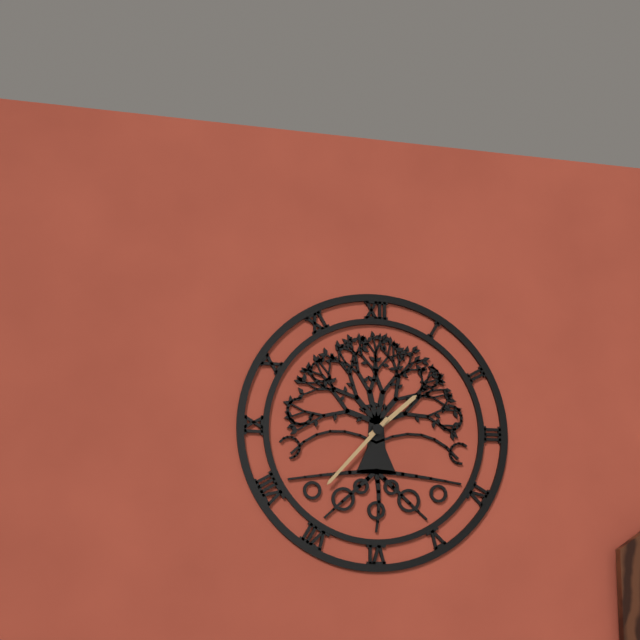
1 h 37 min
